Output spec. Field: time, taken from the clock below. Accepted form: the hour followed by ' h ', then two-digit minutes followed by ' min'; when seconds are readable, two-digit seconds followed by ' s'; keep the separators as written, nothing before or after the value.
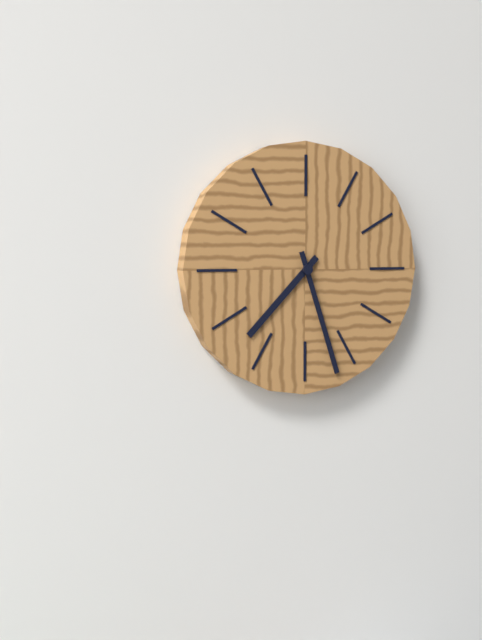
7 h 27 min
